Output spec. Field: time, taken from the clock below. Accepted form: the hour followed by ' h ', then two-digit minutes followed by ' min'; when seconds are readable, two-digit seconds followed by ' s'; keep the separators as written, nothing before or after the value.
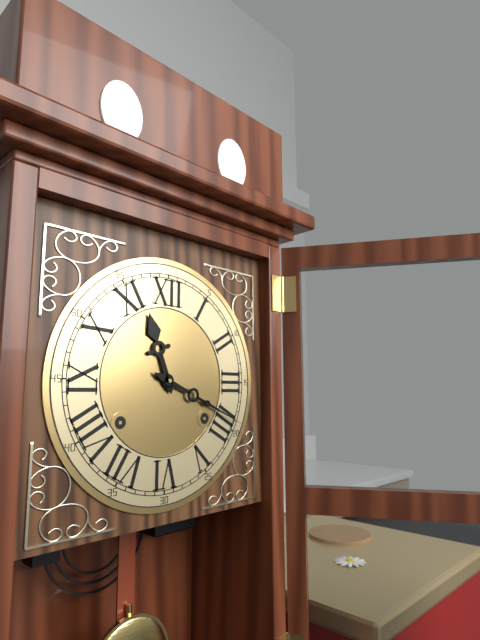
11 h 19 min
